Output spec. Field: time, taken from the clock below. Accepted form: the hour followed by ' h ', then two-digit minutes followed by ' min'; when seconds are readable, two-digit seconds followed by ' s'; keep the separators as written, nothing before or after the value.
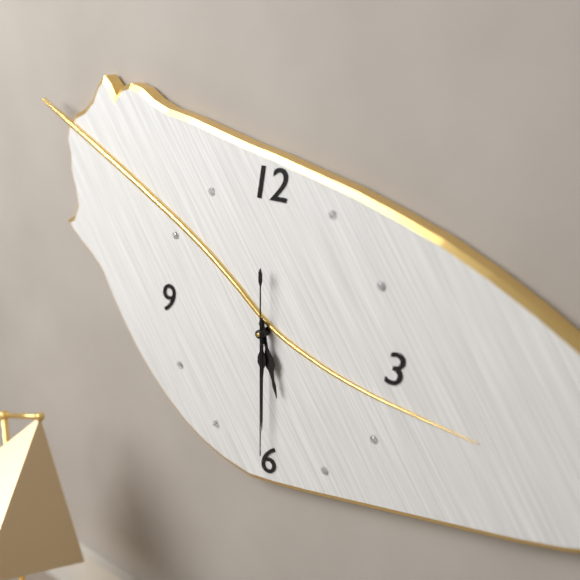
5 h 30 min 30 s
